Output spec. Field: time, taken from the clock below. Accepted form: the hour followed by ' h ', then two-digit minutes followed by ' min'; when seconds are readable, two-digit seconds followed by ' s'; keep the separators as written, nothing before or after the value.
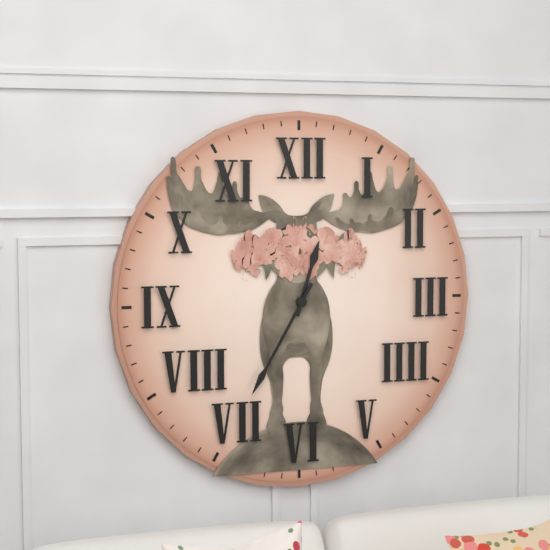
12 h 35 min
